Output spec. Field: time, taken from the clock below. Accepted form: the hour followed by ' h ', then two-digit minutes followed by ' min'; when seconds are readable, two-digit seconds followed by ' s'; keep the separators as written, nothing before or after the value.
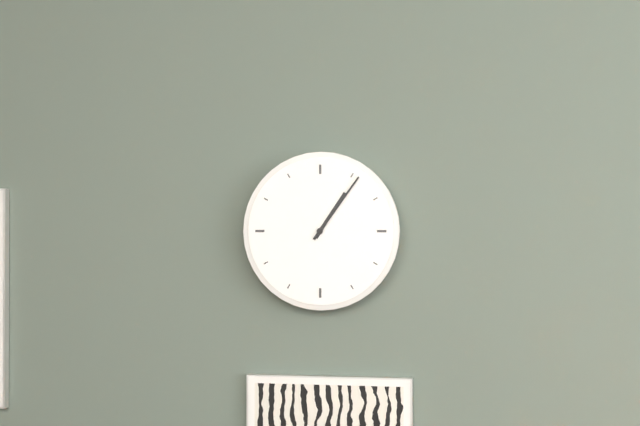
1 h 06 min
